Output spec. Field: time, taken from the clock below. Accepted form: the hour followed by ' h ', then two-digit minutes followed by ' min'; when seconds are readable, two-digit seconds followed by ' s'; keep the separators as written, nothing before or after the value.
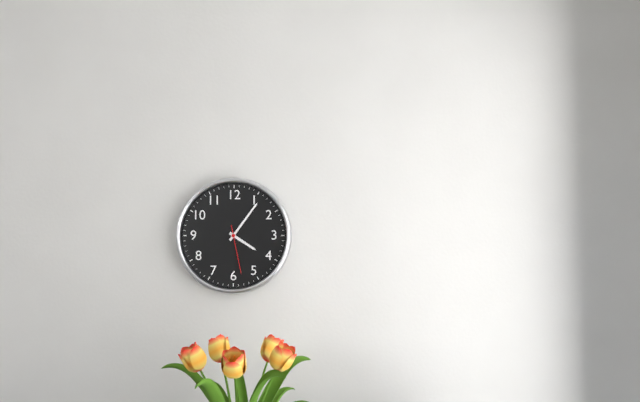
4 h 06 min
